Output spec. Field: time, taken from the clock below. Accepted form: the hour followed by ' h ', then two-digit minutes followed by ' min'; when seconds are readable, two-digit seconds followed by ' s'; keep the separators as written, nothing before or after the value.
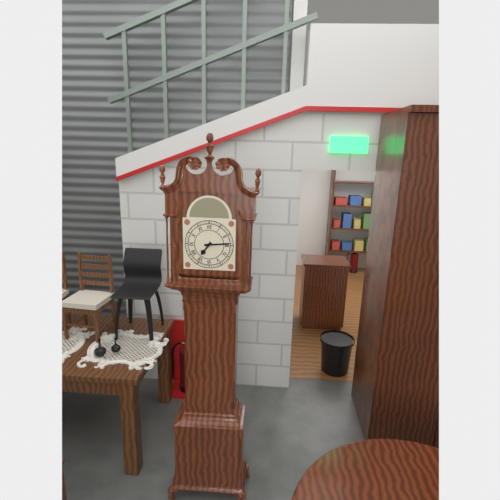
7 h 14 min
